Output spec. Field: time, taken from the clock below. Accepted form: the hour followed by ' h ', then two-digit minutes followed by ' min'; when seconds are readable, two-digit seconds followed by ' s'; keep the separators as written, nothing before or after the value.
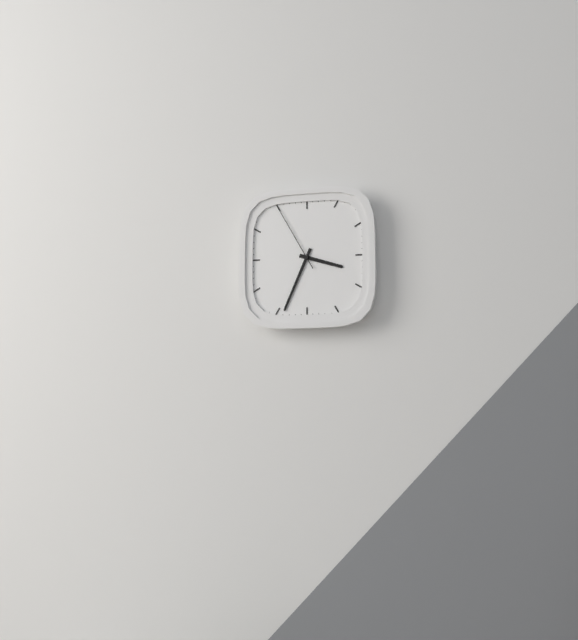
3 h 34 min 55 s
